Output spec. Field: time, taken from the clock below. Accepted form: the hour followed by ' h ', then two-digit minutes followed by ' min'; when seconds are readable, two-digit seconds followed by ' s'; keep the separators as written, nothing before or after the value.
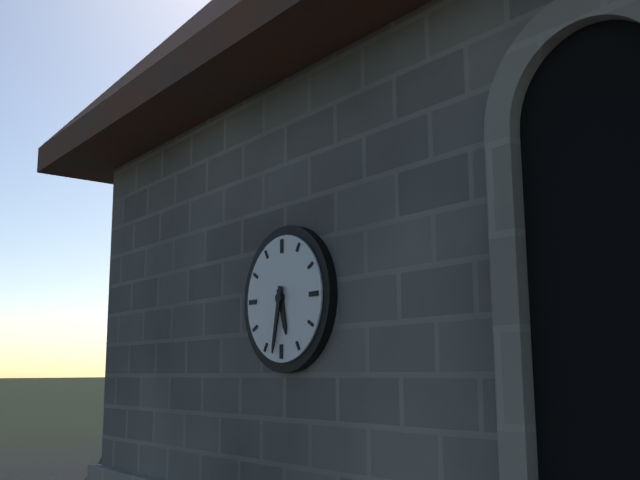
5 h 32 min
